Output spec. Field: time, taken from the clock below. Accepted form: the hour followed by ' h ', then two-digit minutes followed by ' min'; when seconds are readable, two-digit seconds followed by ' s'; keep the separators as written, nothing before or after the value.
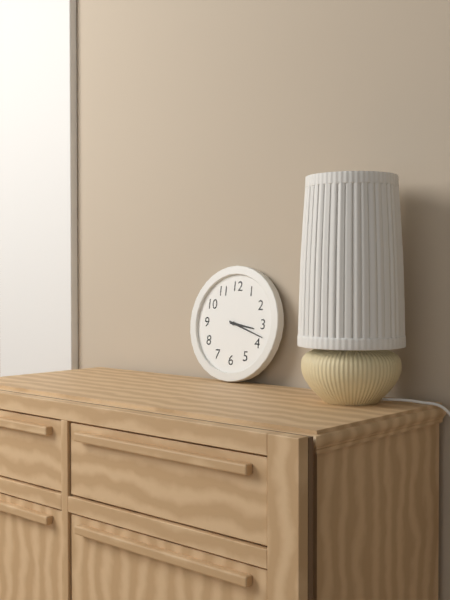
3 h 18 min
